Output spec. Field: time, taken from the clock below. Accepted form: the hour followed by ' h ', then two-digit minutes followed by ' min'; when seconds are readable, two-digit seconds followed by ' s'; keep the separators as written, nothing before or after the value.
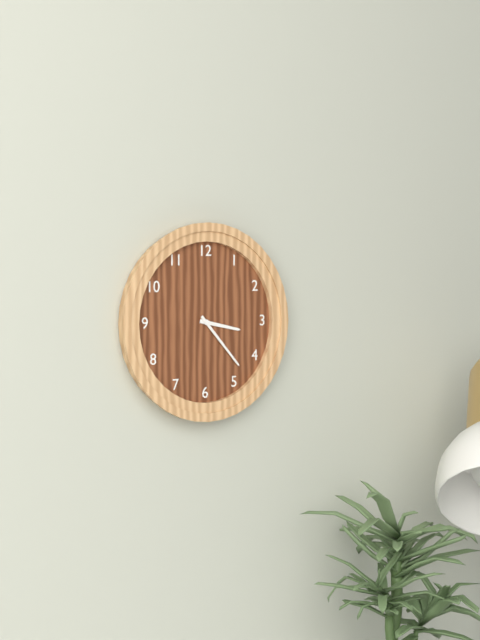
3 h 23 min
